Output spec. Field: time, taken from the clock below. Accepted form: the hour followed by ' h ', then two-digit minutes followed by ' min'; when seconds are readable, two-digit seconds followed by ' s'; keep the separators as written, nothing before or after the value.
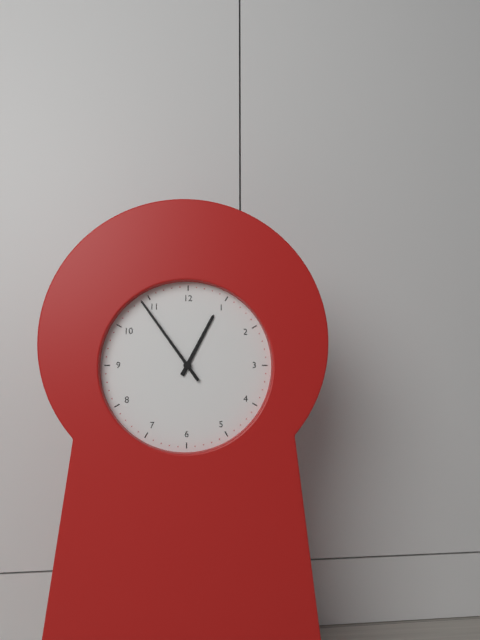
12 h 54 min
